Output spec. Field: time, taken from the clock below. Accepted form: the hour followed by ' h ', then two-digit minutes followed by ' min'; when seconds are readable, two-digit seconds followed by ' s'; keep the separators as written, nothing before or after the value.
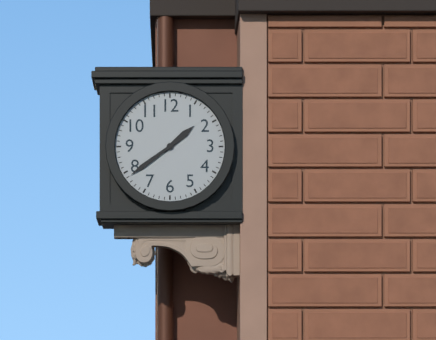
1 h 39 min
